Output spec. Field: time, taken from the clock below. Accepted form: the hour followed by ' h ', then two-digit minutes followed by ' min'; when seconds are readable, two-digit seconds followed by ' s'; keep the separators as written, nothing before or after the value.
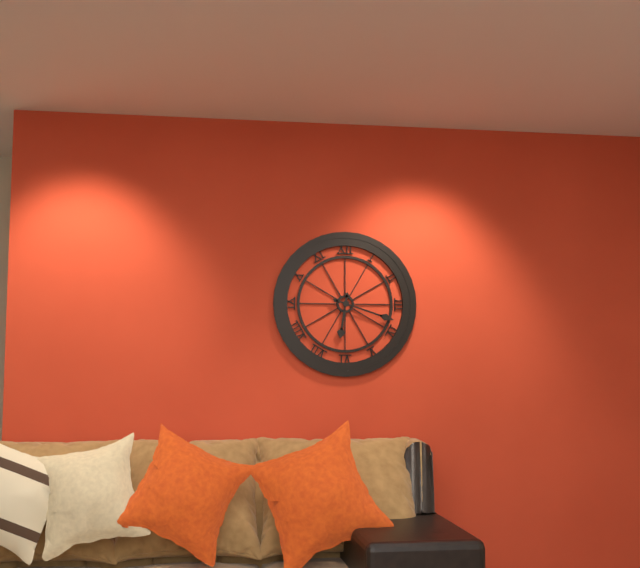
6 h 18 min
